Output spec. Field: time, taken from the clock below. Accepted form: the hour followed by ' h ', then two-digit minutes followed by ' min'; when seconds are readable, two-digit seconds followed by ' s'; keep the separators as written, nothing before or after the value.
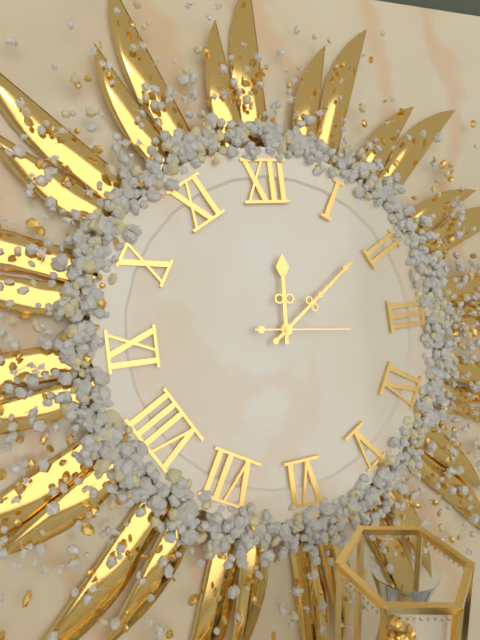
12 h 09 min 16 s
